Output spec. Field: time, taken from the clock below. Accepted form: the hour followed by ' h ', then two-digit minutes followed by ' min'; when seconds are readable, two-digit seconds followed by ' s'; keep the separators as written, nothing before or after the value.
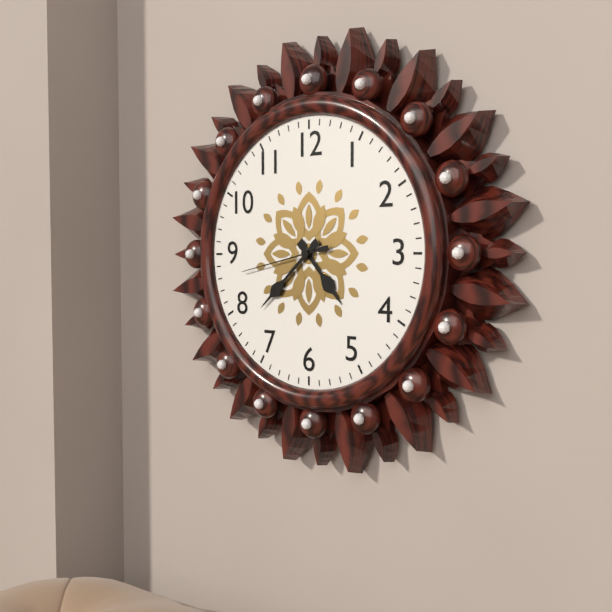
4 h 38 min 43 s
